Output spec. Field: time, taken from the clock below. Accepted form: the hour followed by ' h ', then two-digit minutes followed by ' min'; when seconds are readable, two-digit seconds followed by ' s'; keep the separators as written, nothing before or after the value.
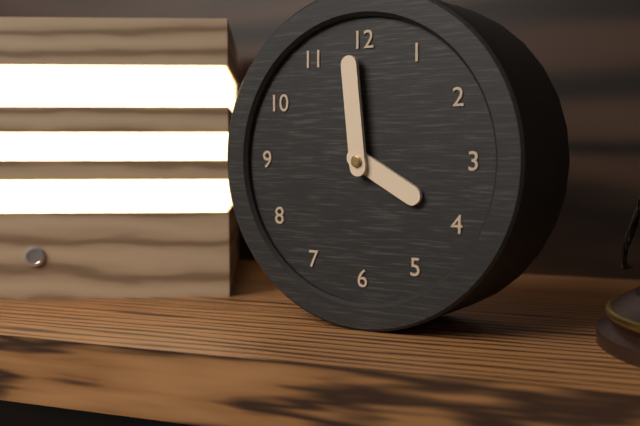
3 h 59 min
